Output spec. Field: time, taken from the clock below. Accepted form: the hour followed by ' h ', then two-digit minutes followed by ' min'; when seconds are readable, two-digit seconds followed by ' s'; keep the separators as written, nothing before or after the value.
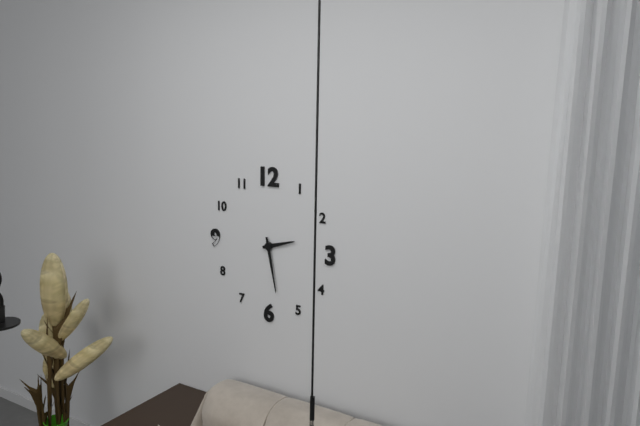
2 h 28 min
